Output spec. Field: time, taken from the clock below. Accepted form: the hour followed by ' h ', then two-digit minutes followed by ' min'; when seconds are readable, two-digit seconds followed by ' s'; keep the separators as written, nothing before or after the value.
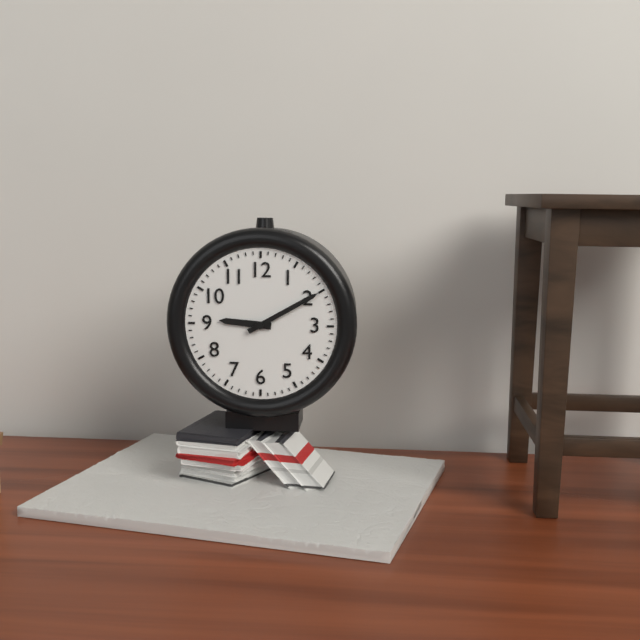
9 h 10 min
